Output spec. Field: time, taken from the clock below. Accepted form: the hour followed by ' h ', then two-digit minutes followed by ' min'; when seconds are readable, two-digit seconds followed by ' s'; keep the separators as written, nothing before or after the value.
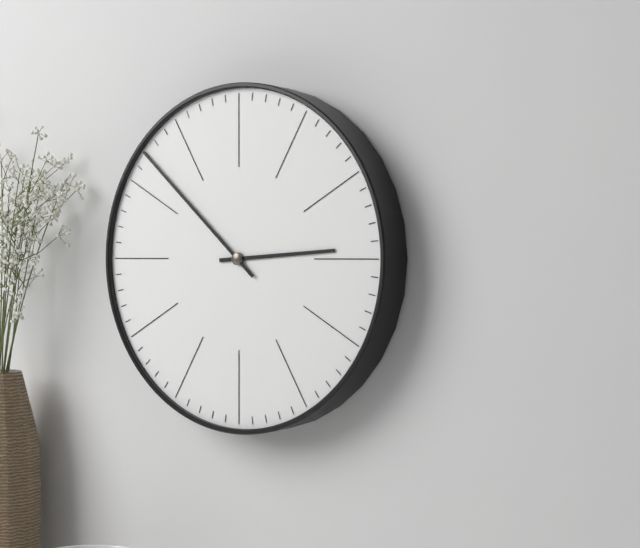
2 h 52 min
